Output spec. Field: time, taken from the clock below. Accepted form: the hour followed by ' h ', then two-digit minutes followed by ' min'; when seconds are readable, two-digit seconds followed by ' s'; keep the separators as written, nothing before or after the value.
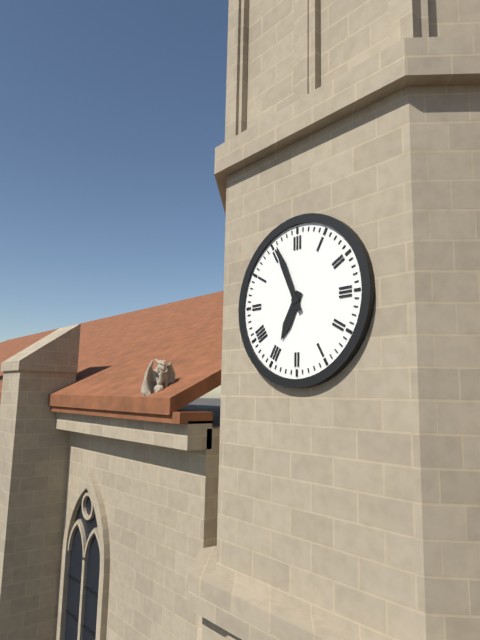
6 h 56 min
